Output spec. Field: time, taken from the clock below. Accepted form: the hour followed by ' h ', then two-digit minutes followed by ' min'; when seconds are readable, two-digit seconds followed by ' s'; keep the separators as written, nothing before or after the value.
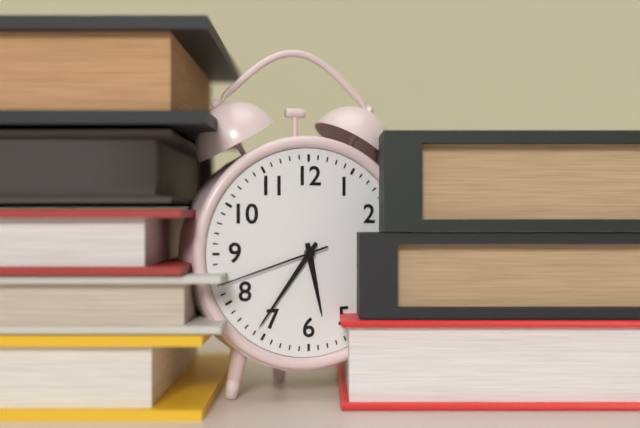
5 h 36 min 42 s
